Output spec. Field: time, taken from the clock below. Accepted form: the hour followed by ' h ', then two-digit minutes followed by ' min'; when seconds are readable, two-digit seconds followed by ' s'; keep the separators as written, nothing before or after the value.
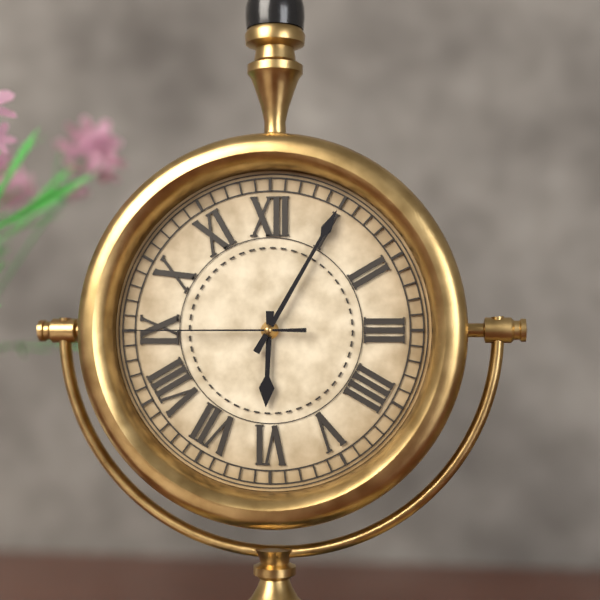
6 h 05 min 45 s
